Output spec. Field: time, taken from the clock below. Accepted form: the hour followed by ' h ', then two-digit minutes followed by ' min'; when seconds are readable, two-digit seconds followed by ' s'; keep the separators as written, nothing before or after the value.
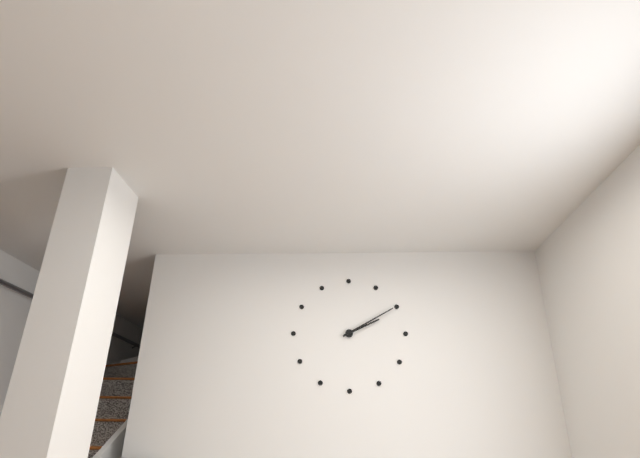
2 h 10 min
